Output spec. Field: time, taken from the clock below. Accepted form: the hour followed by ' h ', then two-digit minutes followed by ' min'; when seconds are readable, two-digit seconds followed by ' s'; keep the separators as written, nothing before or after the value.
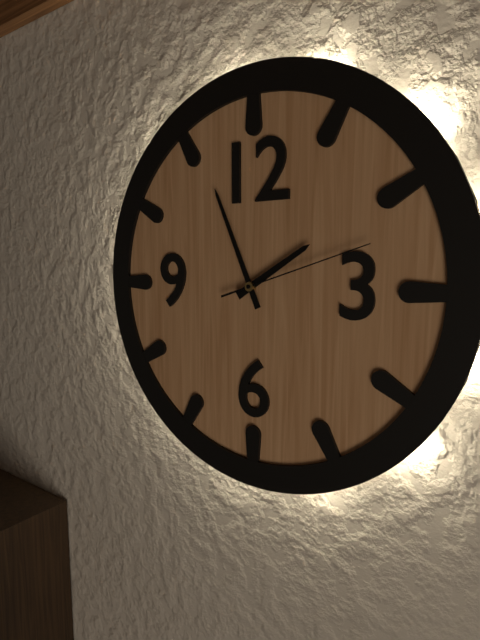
1 h 56 min 12 s
